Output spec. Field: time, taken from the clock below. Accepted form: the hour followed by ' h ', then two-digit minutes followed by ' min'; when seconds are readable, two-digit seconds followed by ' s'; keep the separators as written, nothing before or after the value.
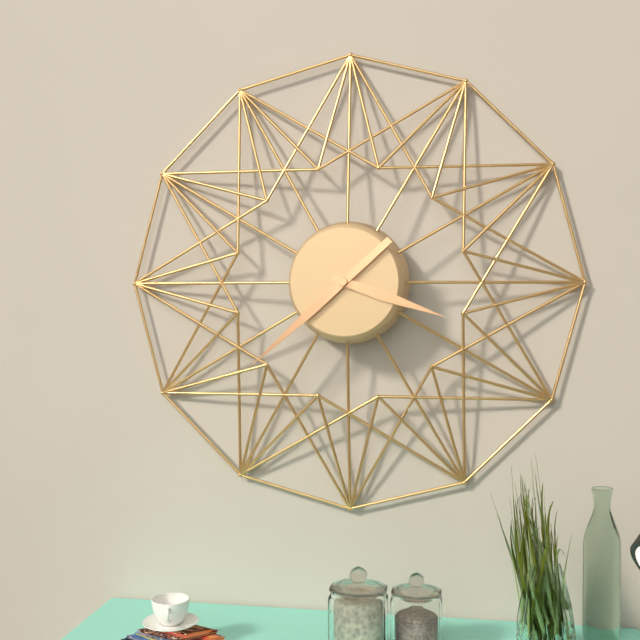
3 h 38 min
